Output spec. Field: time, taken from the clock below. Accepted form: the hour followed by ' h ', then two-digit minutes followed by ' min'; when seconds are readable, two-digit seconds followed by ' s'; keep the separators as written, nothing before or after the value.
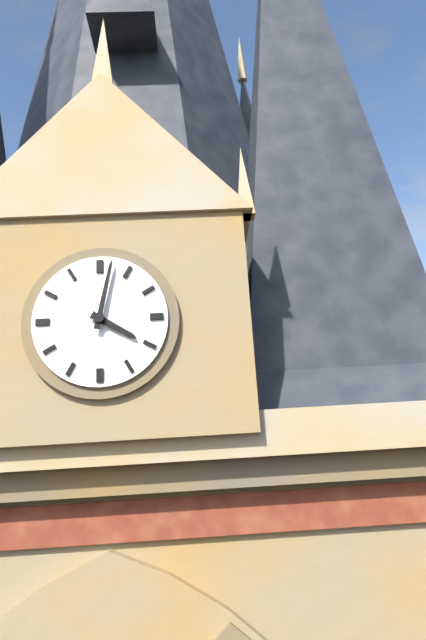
4 h 02 min
